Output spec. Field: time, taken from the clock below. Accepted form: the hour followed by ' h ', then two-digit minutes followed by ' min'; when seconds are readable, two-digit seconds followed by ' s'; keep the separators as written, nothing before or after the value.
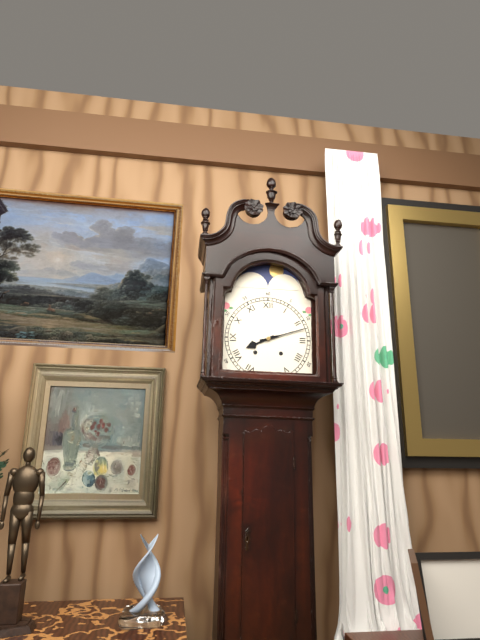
8 h 12 min
